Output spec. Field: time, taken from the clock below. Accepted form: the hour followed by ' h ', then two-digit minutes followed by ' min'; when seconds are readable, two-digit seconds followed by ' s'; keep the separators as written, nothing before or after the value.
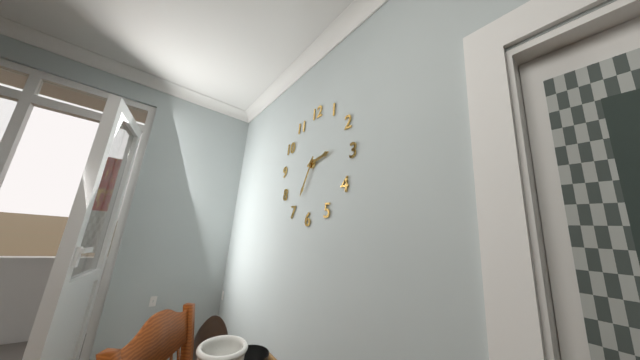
2 h 34 min
